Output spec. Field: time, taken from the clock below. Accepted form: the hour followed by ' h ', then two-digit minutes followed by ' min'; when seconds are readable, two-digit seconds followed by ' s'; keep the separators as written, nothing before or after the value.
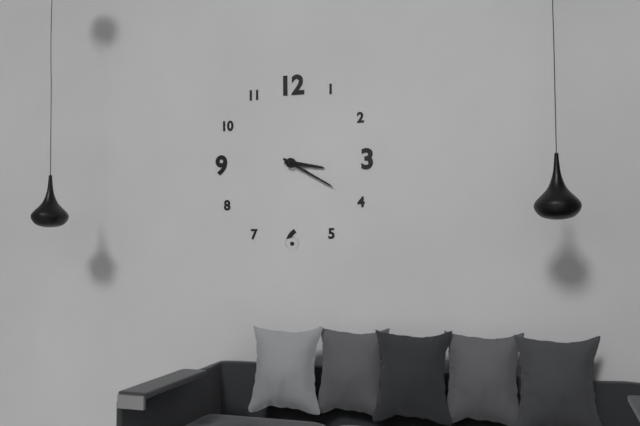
3 h 20 min
